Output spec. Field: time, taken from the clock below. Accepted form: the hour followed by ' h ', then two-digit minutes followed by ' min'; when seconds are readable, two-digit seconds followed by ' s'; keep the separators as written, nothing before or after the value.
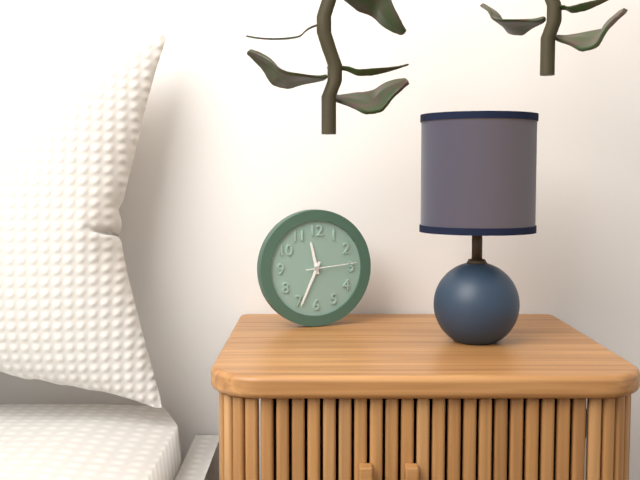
11 h 34 min 14 s
